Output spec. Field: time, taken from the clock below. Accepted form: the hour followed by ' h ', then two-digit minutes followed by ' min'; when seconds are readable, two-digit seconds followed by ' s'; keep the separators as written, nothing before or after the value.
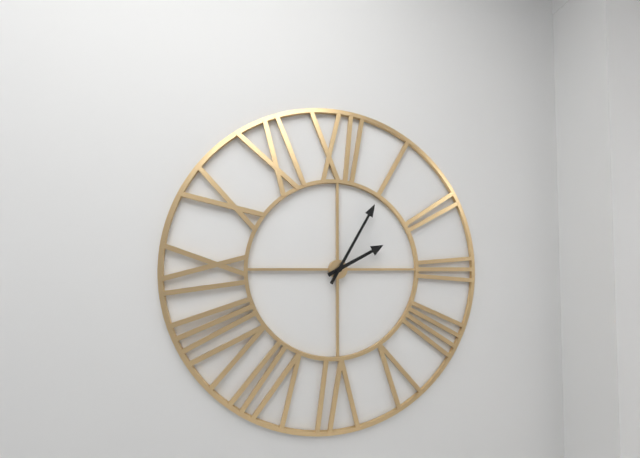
2 h 05 min
